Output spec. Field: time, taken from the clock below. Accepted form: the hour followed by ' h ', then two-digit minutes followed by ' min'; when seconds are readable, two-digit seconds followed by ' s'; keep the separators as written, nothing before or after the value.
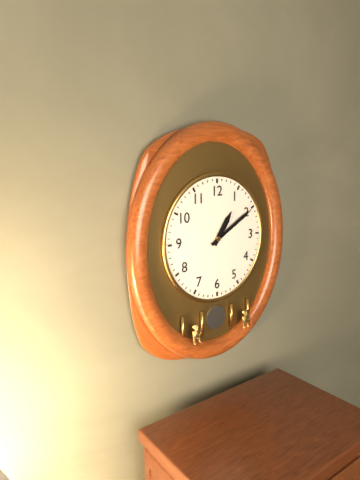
1 h 10 min
